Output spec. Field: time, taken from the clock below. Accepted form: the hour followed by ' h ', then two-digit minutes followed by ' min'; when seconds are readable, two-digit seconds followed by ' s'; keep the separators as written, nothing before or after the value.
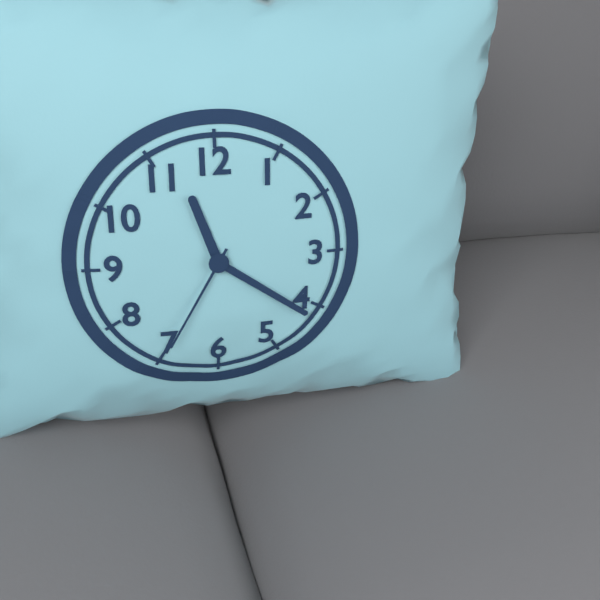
11 h 21 min 35 s
